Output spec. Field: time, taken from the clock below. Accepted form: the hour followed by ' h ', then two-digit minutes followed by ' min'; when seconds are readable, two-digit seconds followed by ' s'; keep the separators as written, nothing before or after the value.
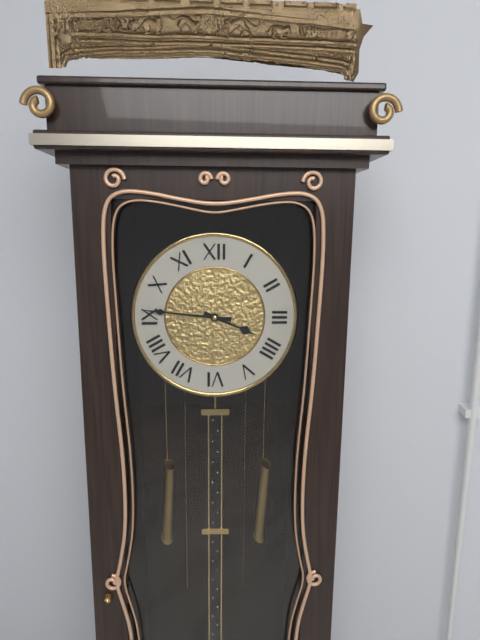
3 h 46 min
